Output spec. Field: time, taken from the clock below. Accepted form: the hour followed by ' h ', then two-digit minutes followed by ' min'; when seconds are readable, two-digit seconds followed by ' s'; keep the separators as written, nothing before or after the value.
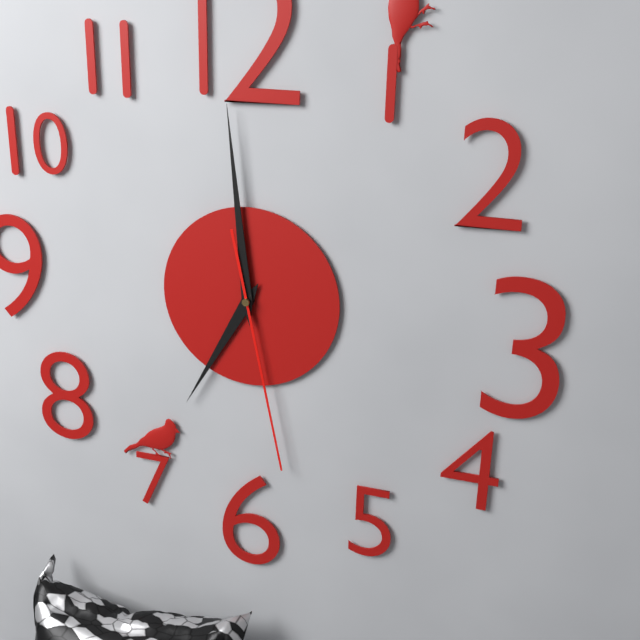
6 h 59 min 28 s
